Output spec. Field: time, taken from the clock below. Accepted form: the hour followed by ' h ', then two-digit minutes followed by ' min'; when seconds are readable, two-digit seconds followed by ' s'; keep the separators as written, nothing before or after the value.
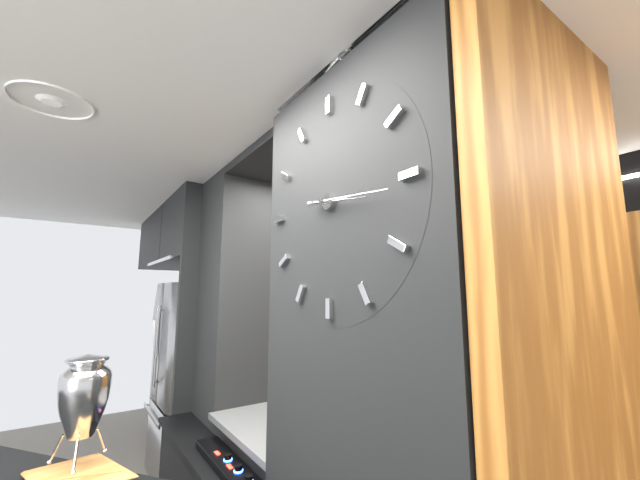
3 h 16 min
